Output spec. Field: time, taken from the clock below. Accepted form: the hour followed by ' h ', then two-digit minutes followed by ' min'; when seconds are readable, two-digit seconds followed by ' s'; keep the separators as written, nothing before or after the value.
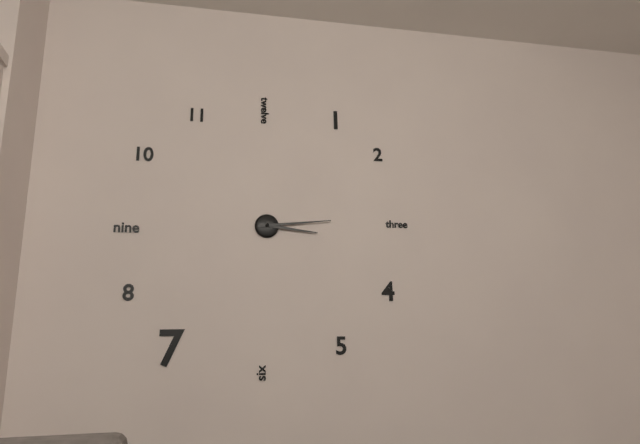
3 h 14 min
